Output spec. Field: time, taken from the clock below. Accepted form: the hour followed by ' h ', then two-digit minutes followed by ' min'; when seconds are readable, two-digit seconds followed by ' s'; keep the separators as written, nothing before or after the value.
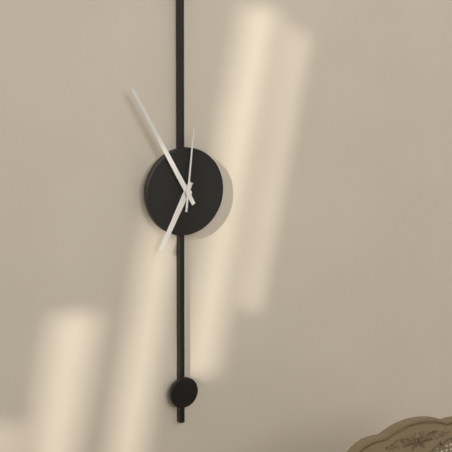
6 h 55 min 01 s
